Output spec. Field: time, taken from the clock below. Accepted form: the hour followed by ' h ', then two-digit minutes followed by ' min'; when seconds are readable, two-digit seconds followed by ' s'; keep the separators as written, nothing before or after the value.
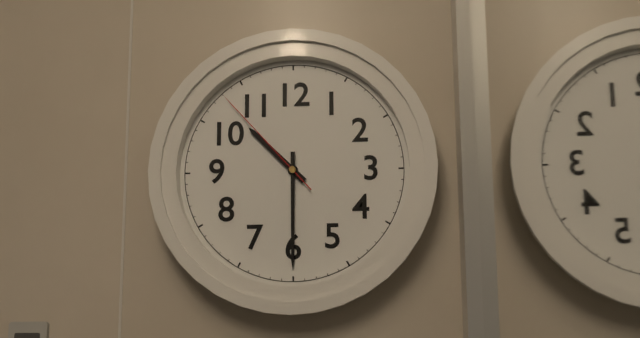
10 h 30 min 53 s
